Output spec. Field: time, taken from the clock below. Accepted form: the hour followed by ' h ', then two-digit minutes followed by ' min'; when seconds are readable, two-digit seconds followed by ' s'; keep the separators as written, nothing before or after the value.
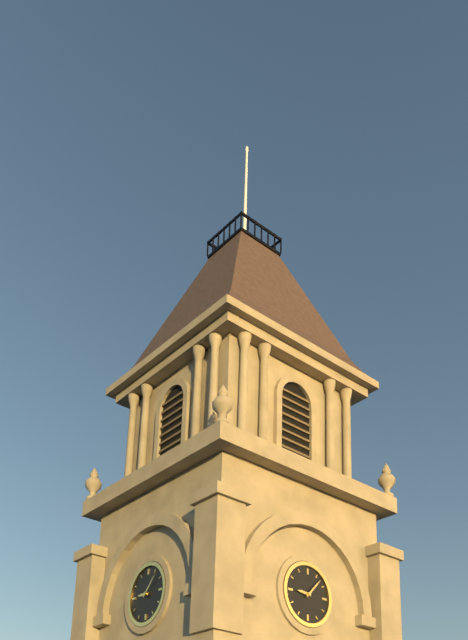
9 h 07 min
